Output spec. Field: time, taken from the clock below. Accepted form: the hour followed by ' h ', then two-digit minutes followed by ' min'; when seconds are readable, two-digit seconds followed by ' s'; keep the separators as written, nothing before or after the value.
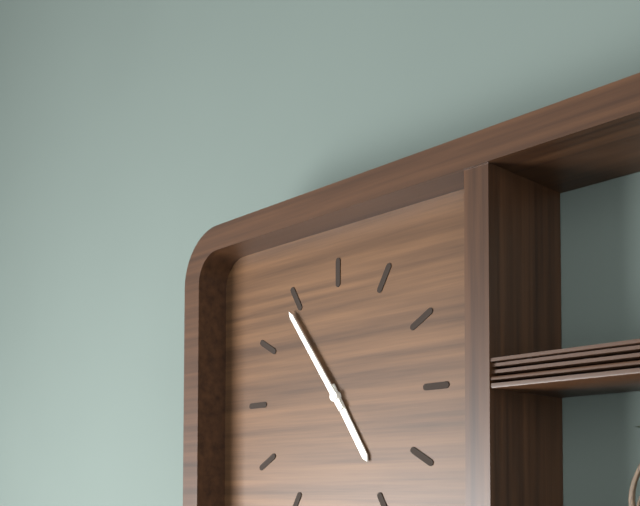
4 h 54 min
